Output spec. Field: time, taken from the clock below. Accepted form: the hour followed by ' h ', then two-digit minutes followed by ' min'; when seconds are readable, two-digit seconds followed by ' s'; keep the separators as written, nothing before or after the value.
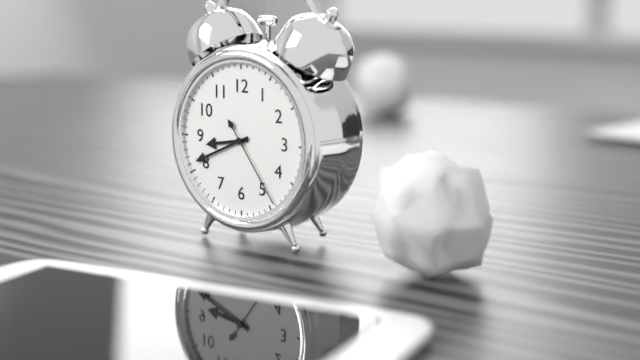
8 h 41 min 24 s
